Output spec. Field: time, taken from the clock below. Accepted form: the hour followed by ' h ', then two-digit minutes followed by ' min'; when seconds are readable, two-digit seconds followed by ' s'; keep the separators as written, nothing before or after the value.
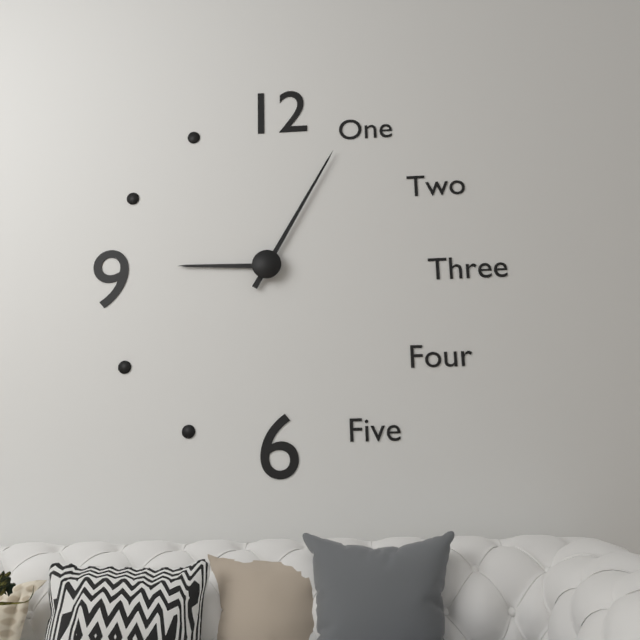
9 h 05 min
